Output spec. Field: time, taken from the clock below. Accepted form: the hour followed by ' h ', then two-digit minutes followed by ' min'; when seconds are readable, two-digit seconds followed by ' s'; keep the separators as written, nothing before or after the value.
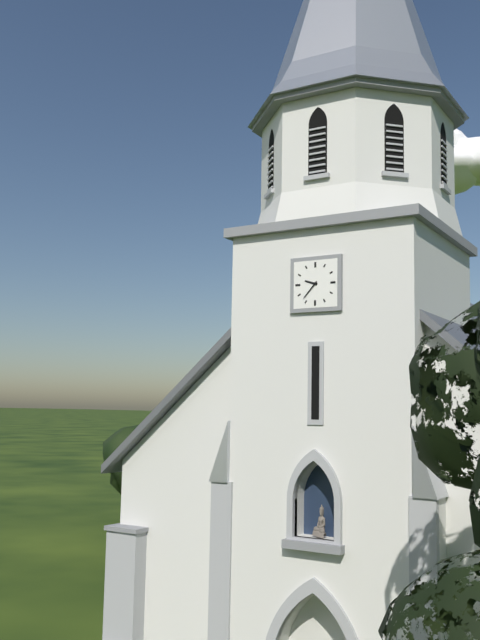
9 h 37 min
